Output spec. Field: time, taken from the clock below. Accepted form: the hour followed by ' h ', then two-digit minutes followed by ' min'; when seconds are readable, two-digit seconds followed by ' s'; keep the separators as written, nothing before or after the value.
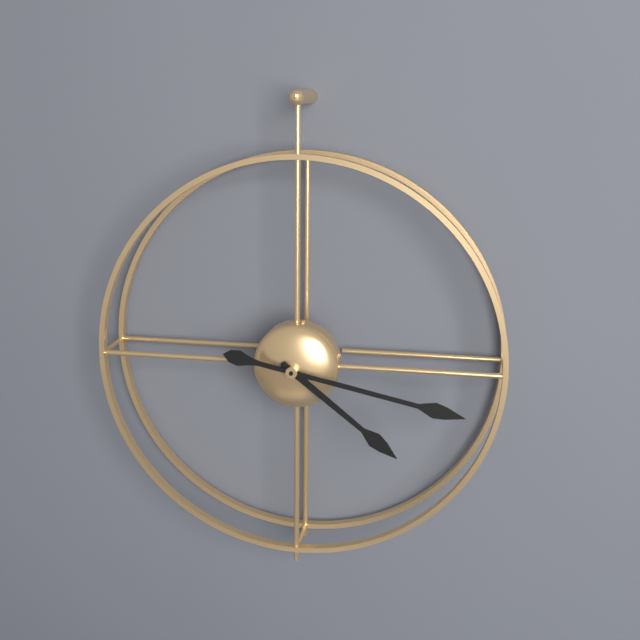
4 h 17 min
